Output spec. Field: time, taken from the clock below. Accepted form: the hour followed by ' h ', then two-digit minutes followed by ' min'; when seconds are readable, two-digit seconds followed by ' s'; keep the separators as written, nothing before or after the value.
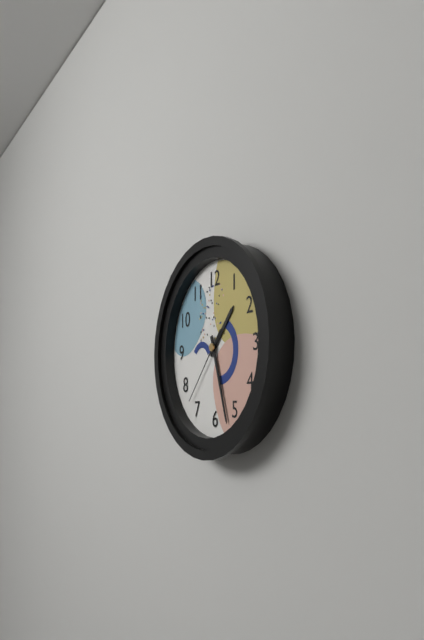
1 h 27 min 37 s
